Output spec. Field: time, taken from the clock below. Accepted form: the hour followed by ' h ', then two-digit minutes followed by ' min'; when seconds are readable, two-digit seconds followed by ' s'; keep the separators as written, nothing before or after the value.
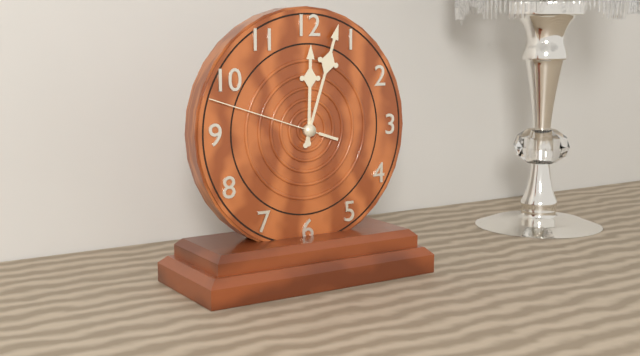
12 h 03 min 48 s
